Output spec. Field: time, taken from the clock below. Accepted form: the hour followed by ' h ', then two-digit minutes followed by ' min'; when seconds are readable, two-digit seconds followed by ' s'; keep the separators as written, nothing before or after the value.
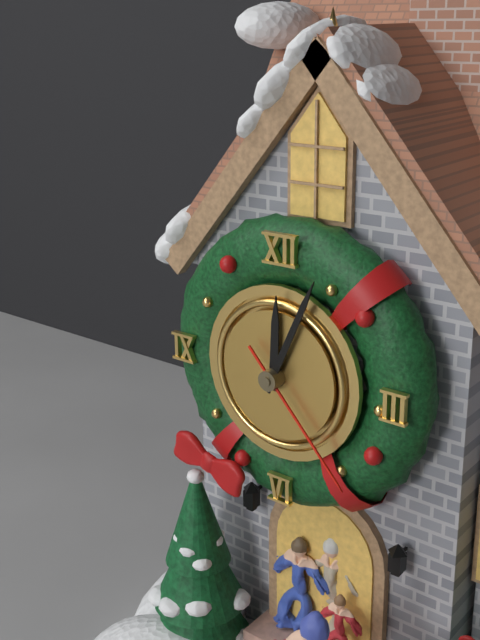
12 h 04 min 23 s
